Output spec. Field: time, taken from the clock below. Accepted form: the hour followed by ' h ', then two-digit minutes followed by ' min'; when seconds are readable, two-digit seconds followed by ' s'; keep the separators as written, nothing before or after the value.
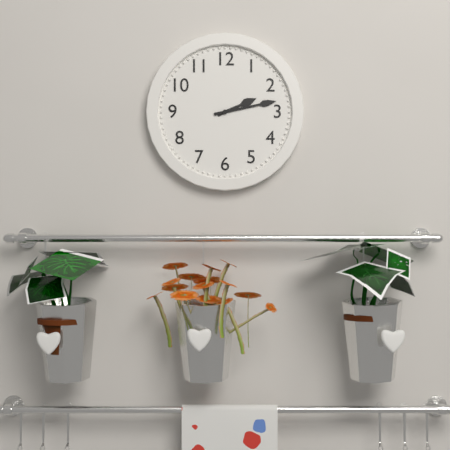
2 h 13 min
